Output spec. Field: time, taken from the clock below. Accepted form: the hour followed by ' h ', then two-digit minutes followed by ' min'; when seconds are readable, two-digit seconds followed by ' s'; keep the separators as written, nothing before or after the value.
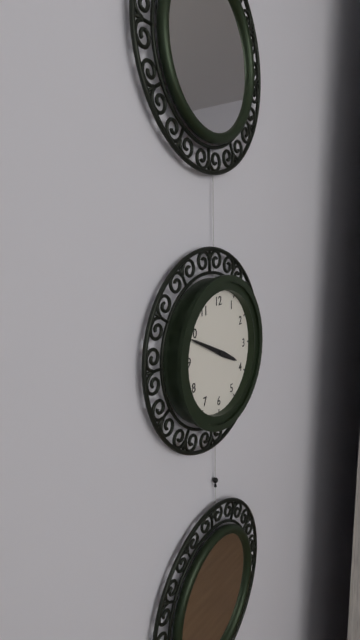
3 h 49 min
